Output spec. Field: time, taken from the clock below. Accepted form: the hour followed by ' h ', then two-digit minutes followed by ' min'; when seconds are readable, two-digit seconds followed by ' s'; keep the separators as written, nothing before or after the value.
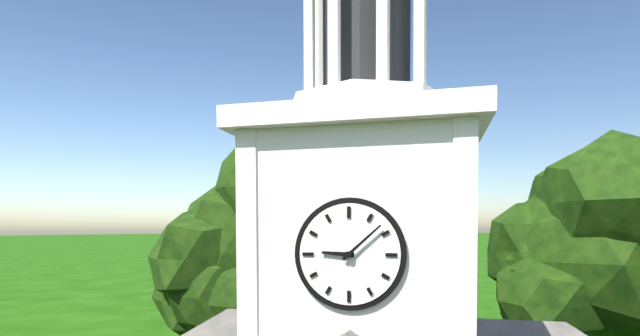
9 h 08 min
